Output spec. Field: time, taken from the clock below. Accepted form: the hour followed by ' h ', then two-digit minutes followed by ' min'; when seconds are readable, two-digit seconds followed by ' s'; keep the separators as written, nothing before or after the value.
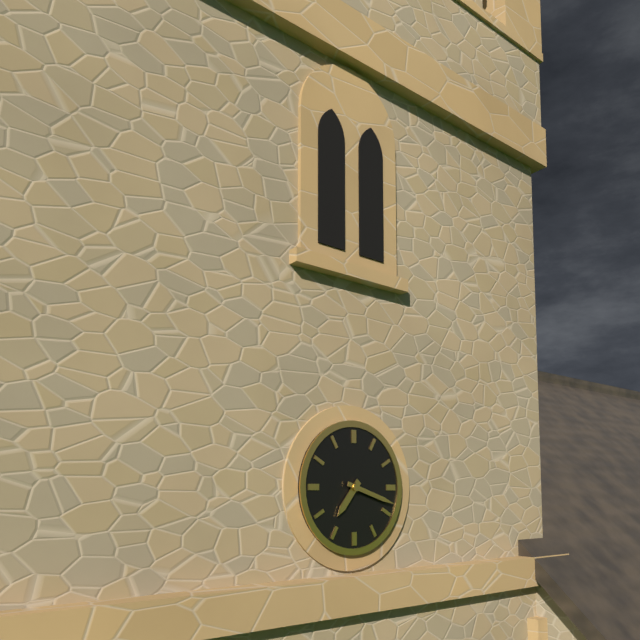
7 h 18 min
